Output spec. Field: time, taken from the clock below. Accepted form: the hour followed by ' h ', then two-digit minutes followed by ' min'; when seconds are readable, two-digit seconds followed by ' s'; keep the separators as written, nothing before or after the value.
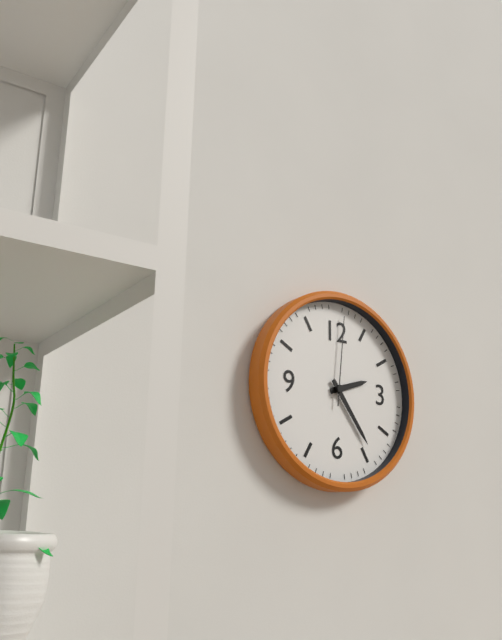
2 h 24 min 01 s
